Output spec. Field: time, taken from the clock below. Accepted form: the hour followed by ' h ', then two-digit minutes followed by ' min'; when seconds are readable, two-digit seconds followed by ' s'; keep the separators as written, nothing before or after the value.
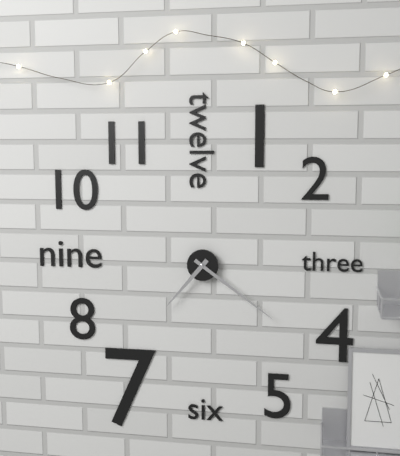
7 h 21 min
